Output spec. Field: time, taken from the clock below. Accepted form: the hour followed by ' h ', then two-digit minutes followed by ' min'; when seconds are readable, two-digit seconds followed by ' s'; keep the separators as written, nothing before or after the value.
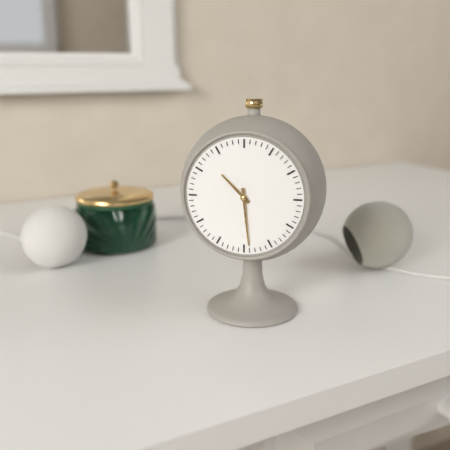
10 h 29 min
